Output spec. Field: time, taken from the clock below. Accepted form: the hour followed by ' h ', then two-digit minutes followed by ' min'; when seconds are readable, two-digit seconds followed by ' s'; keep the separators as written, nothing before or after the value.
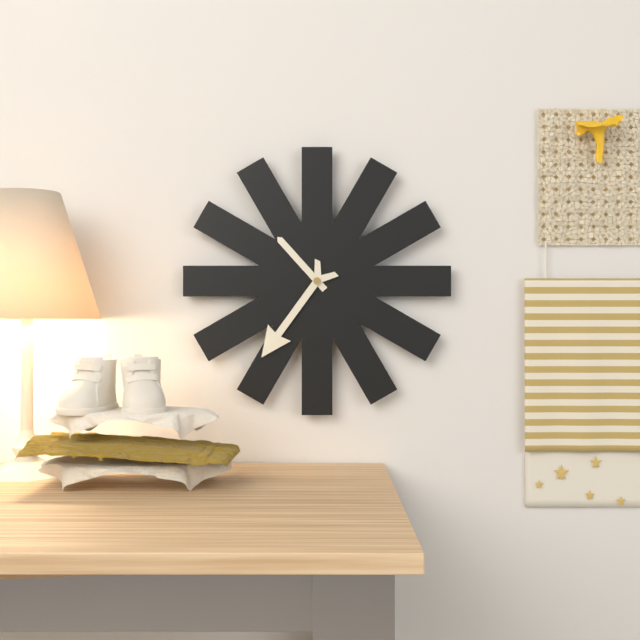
10 h 36 min
